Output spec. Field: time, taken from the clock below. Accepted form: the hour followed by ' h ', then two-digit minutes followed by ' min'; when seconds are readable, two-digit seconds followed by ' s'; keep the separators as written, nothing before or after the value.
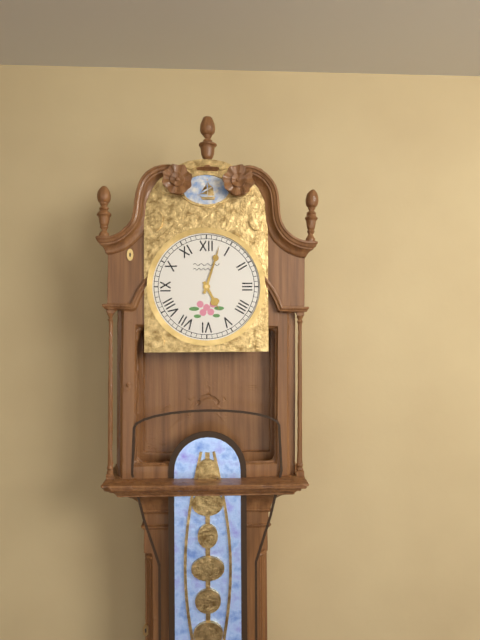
5 h 03 min
